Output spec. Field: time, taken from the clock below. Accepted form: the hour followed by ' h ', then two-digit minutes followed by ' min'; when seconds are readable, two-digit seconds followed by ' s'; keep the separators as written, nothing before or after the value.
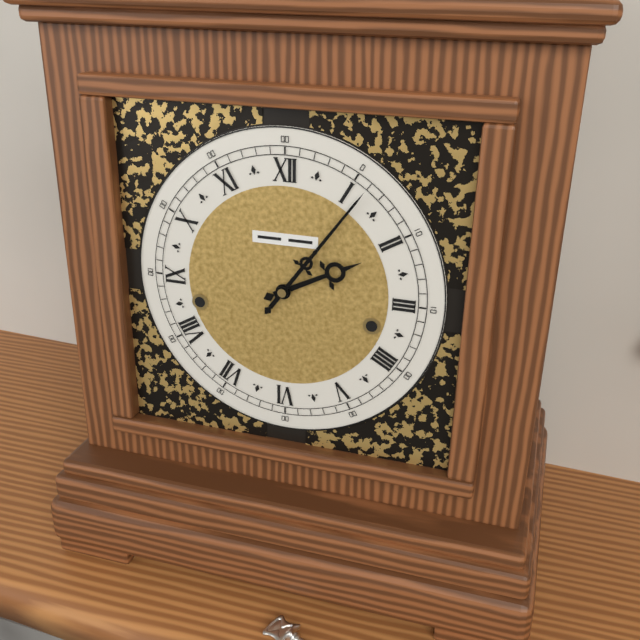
2 h 06 min
